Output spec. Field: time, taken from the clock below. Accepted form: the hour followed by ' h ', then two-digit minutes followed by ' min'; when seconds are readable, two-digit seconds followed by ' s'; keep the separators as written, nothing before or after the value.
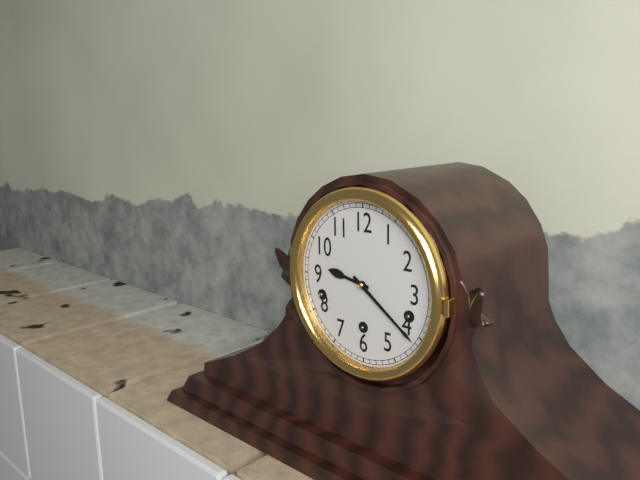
9 h 21 min
